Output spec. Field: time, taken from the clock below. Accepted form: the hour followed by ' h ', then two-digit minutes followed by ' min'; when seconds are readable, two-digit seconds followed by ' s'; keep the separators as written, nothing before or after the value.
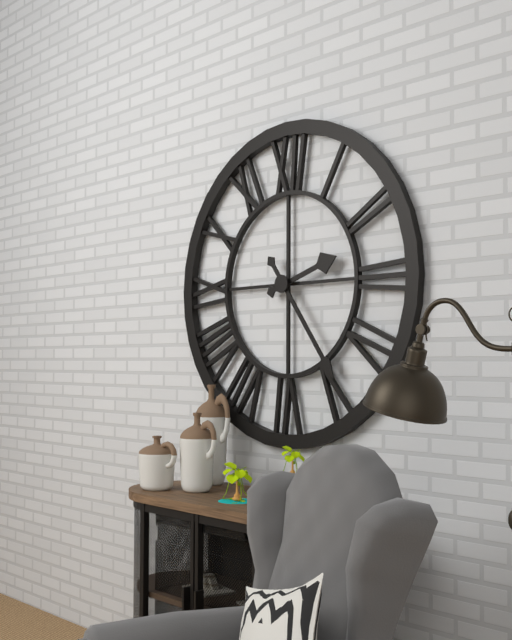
2 h 24 min
